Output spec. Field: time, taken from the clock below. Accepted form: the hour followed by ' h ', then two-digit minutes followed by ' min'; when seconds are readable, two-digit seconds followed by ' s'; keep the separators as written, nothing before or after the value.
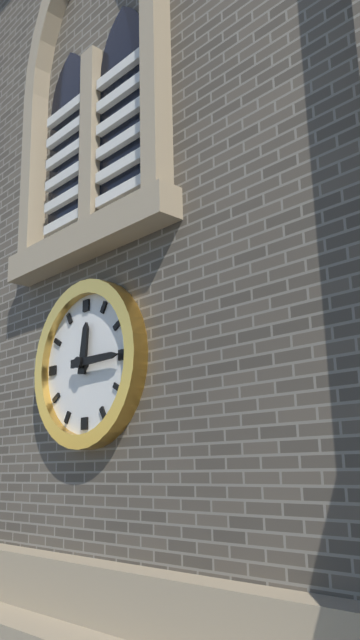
12 h 15 min
